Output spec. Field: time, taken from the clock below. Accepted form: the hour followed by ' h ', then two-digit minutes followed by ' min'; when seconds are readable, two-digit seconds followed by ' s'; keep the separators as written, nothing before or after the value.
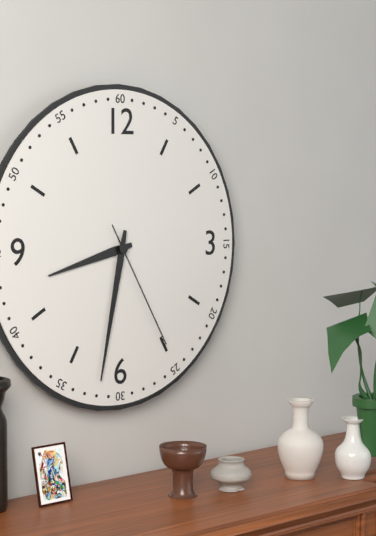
8 h 32 min 25 s
